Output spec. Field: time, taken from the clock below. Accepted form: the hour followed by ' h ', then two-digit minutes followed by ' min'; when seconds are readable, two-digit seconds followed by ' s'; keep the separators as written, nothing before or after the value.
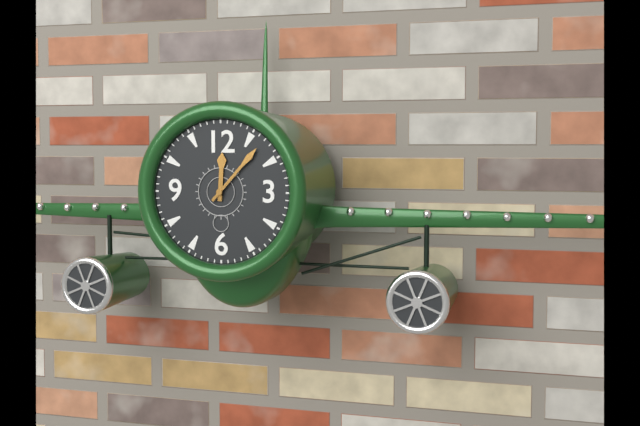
12 h 07 min
